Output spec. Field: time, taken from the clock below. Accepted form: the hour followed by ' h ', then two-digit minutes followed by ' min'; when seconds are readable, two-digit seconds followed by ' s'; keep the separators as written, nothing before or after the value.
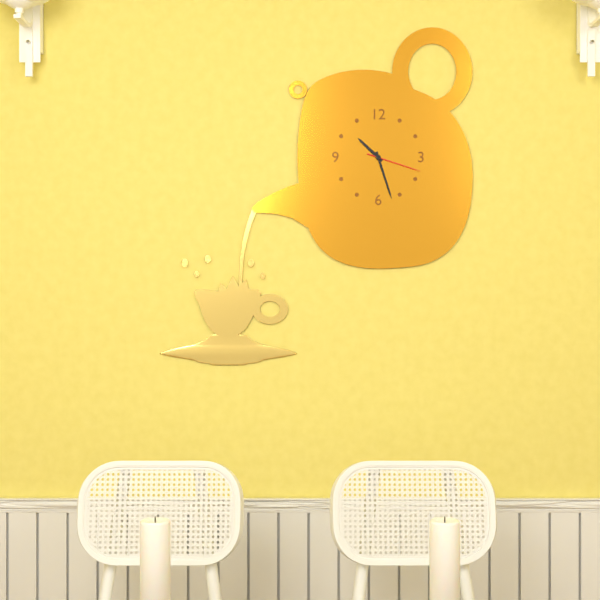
10 h 27 min 18 s
